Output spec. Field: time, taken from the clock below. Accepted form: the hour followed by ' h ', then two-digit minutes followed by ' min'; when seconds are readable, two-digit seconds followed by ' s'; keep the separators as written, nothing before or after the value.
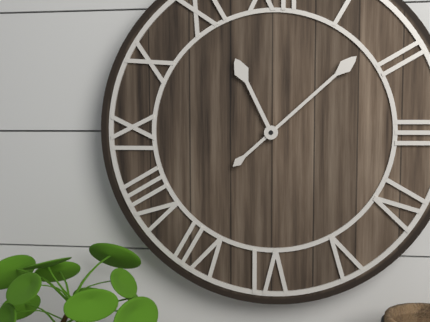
11 h 08 min
